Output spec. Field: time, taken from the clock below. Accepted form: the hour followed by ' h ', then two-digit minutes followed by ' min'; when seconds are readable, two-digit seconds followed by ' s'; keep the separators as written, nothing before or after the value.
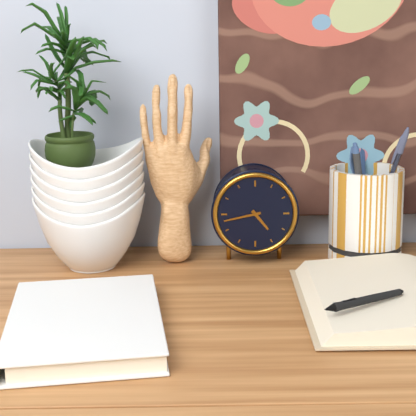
4 h 43 min
